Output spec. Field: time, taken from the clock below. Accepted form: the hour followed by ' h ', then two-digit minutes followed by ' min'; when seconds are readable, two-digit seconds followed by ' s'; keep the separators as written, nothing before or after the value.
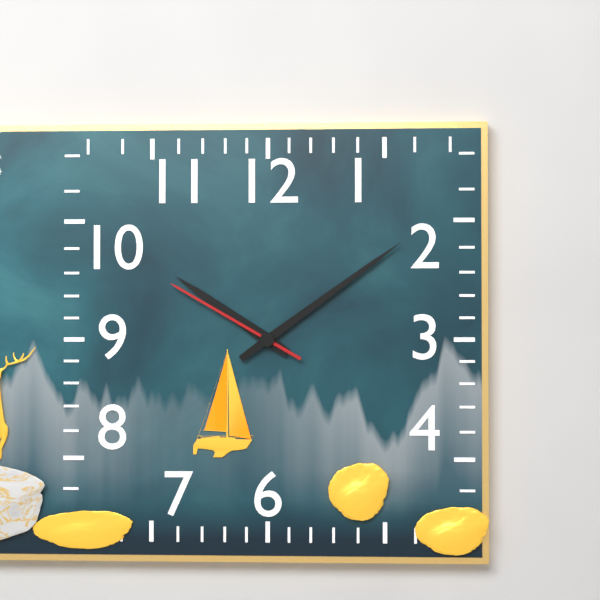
10 h 09 min 50 s
